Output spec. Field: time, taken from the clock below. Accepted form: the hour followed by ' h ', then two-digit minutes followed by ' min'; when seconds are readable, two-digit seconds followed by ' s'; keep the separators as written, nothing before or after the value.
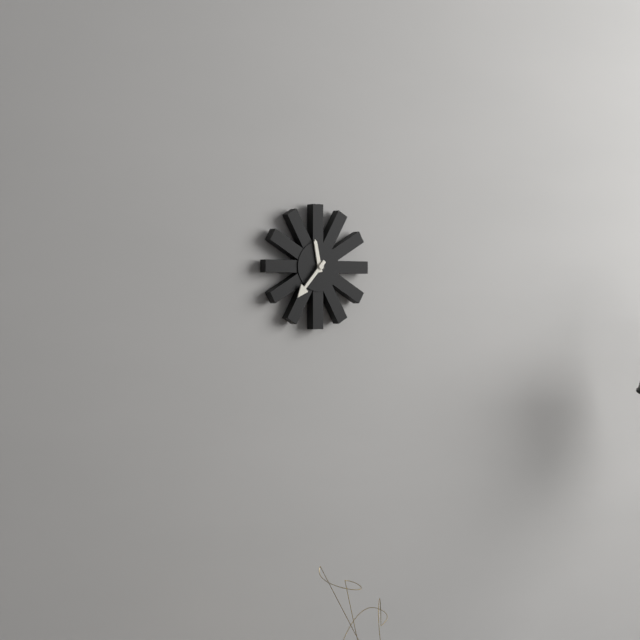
11 h 37 min
